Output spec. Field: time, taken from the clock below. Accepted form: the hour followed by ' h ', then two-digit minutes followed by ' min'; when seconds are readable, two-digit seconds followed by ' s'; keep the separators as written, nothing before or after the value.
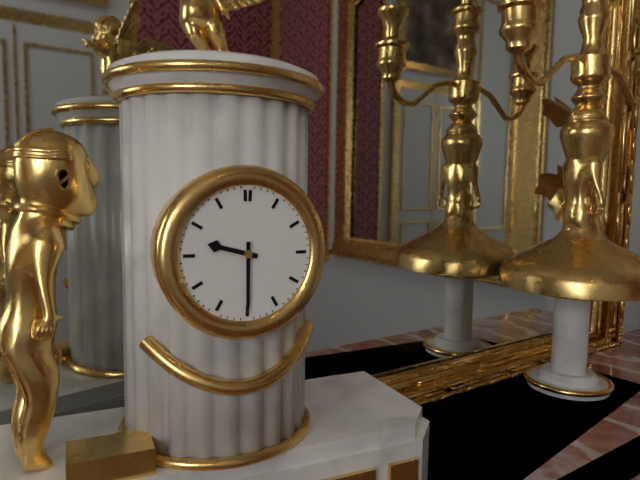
9 h 30 min
